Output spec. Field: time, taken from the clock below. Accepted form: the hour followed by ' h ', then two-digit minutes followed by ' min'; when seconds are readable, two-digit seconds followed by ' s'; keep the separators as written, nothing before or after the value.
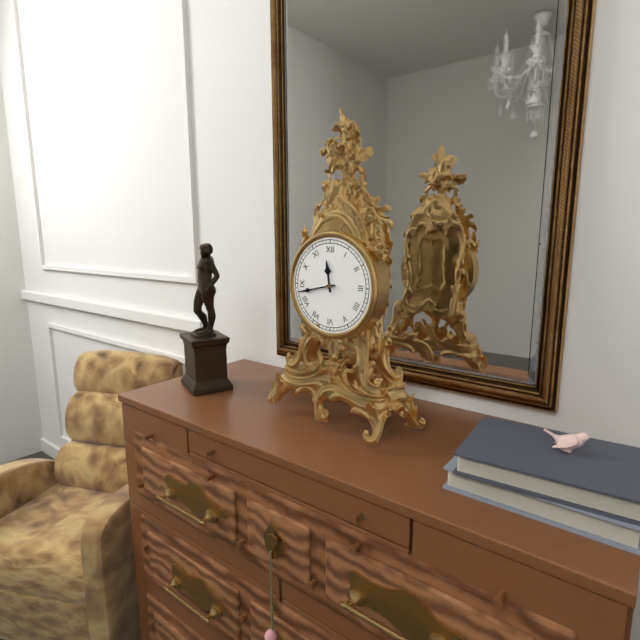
11 h 43 min
